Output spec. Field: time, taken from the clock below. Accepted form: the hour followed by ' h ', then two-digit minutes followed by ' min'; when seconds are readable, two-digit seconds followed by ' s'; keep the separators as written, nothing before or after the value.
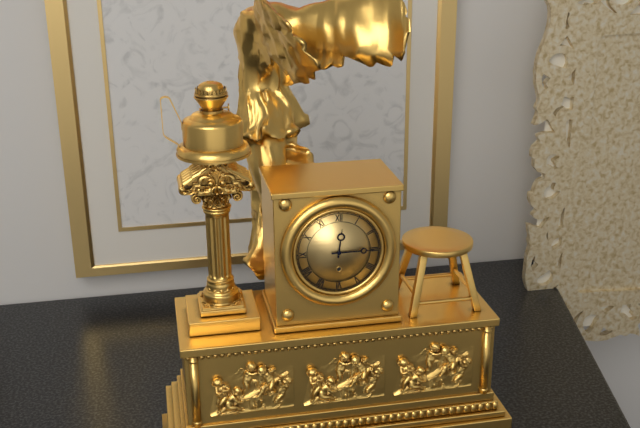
12 h 15 min
